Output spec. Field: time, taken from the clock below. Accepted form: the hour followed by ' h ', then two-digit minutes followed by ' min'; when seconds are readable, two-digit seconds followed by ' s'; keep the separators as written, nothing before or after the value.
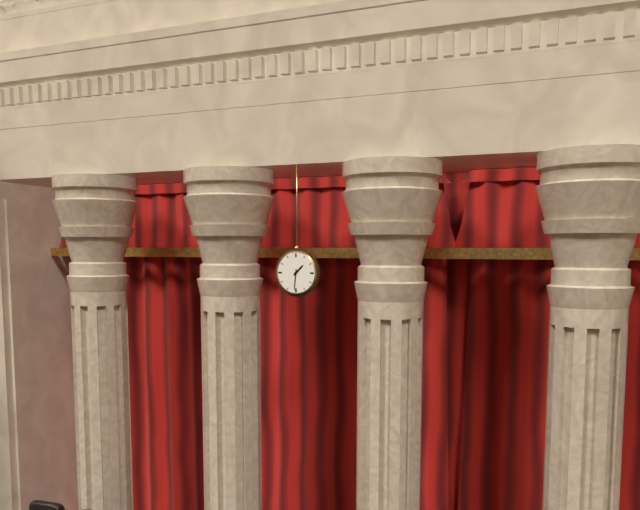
1 h 31 min
